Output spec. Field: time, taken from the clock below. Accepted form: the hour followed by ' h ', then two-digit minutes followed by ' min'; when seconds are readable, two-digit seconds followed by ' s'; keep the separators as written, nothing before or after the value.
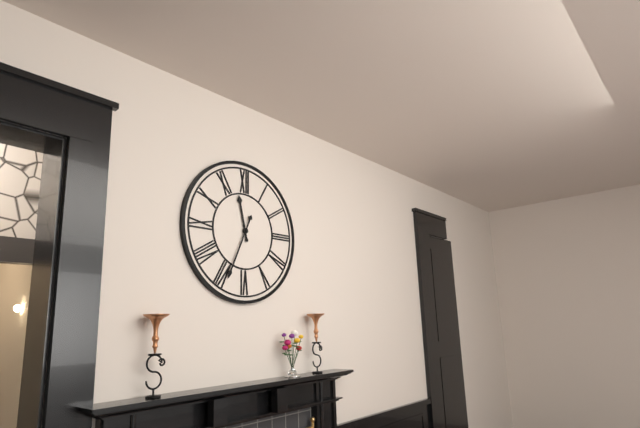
11 h 34 min
